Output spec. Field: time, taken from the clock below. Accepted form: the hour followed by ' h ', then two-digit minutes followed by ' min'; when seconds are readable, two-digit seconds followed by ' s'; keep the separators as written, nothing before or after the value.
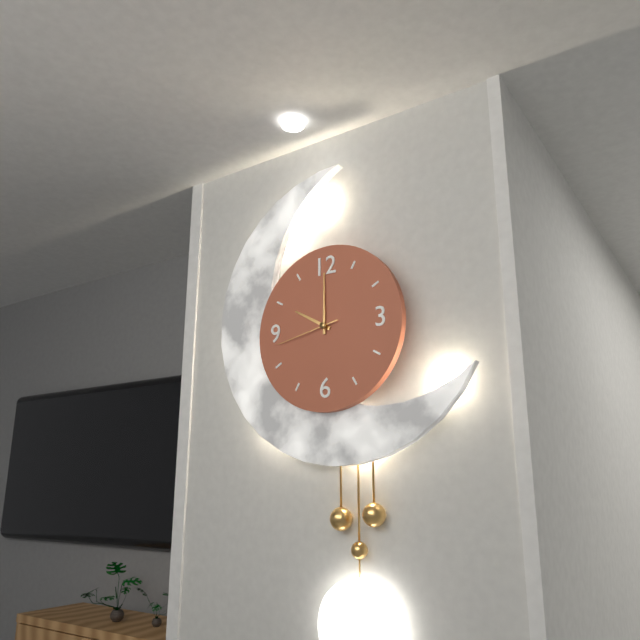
10 h 00 min 43 s
